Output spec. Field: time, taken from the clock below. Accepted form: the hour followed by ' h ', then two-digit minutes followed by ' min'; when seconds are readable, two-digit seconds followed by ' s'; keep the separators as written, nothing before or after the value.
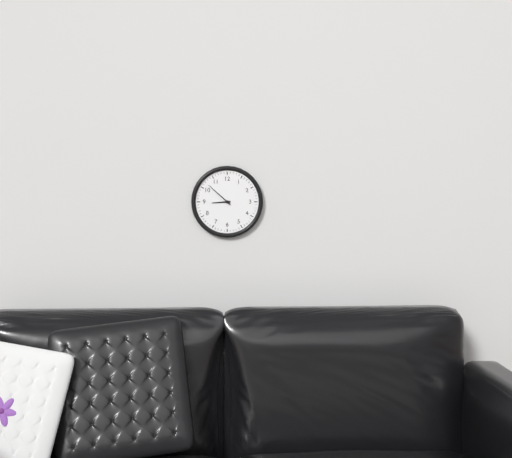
8 h 52 min
